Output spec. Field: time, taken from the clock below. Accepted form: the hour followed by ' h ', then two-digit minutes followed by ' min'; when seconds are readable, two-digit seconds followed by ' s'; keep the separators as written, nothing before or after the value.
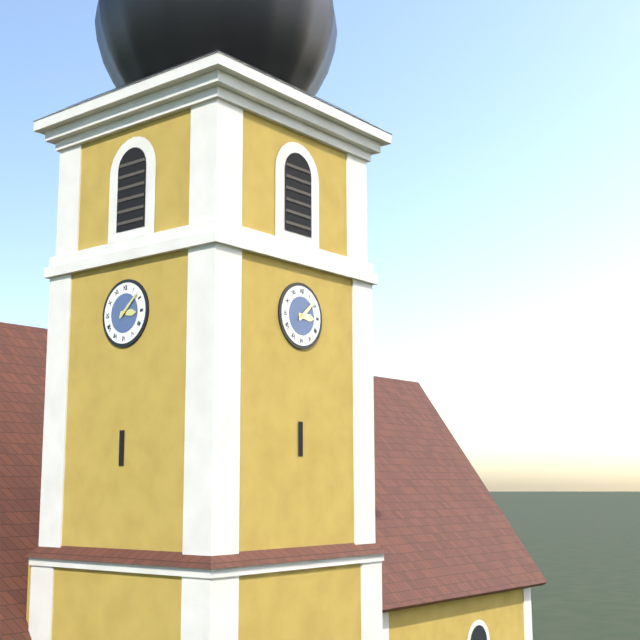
3 h 08 min
